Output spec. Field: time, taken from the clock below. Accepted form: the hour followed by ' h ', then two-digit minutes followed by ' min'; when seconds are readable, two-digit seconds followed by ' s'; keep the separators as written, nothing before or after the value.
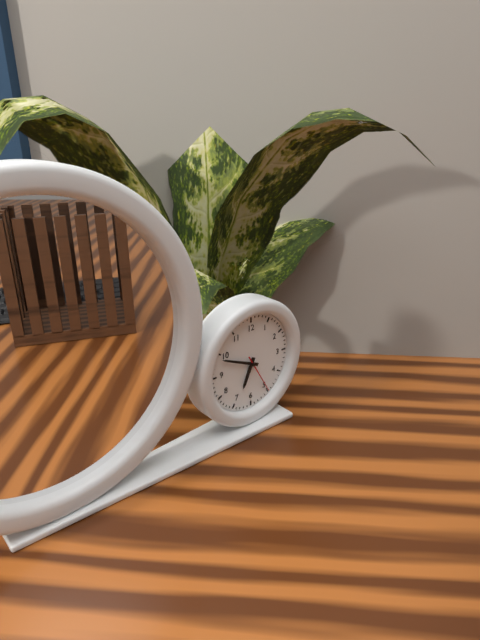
6 h 49 min
